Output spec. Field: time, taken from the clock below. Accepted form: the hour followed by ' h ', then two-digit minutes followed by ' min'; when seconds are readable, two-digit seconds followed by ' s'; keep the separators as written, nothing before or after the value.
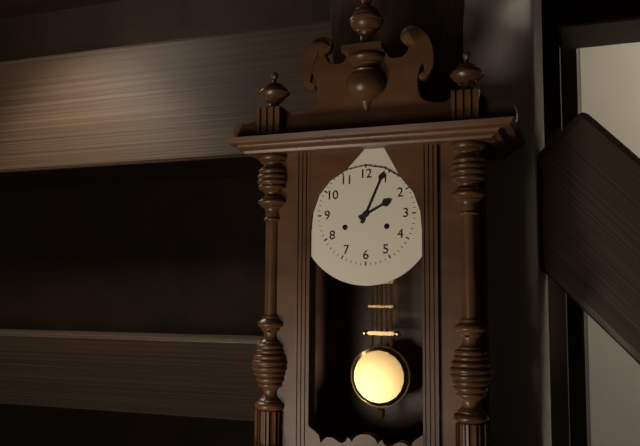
2 h 04 min
